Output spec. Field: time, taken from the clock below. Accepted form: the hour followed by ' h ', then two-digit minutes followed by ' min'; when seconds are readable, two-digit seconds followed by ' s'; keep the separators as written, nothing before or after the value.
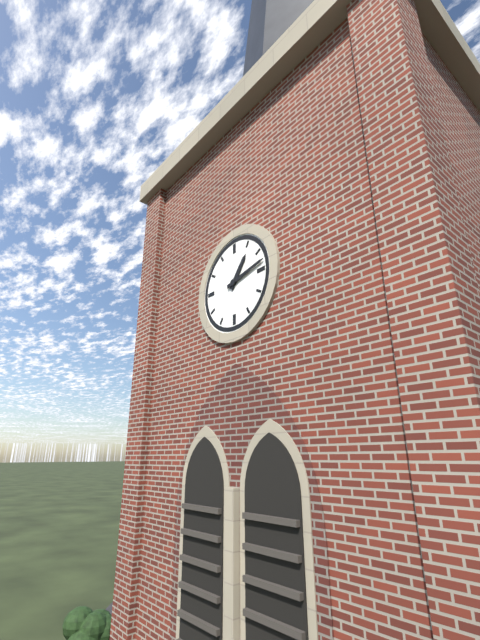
1 h 13 min
